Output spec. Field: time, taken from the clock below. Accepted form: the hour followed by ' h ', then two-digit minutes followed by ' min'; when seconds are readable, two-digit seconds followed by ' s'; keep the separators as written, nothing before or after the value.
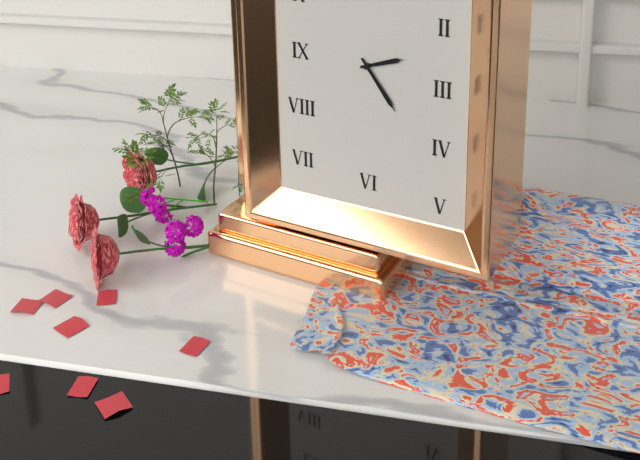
2 h 24 min
